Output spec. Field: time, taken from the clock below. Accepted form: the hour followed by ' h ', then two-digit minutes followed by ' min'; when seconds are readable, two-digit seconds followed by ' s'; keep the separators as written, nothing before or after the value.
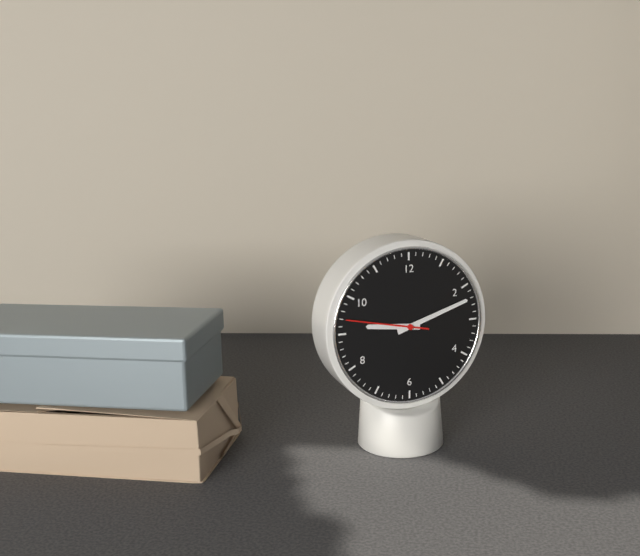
9 h 12 min 47 s
